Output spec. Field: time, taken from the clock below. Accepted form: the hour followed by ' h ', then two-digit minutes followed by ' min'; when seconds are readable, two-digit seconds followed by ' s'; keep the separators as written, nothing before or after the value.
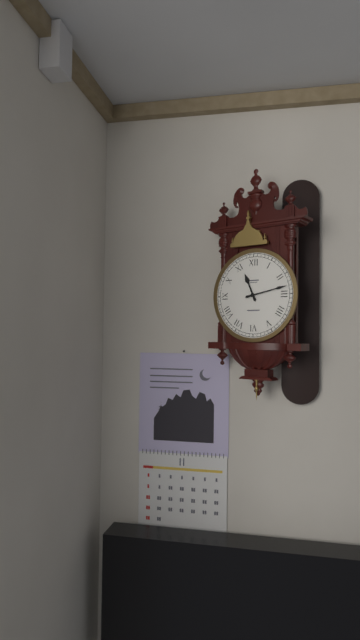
11 h 13 min
